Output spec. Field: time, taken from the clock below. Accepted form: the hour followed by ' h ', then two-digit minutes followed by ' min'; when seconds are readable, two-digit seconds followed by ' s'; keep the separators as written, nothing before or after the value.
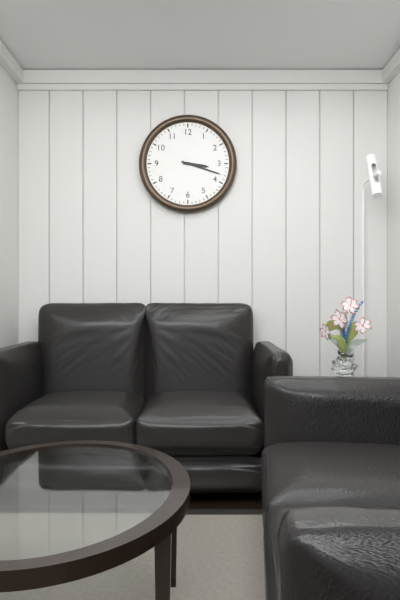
3 h 18 min
